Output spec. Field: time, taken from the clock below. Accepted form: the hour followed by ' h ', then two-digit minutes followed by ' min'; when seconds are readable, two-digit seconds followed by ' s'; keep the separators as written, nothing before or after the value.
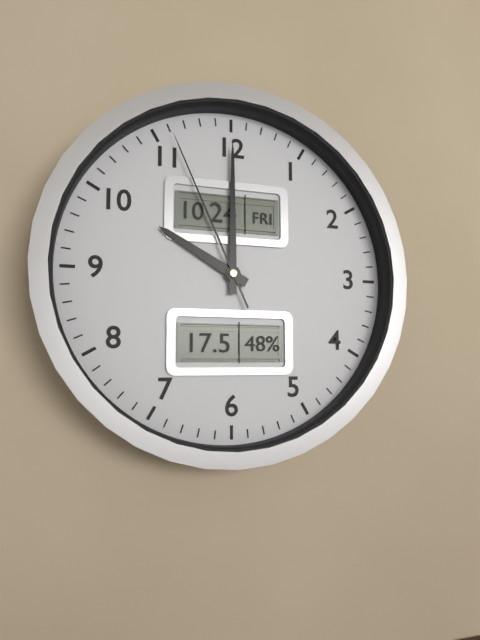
10 h 00 min 56 s
